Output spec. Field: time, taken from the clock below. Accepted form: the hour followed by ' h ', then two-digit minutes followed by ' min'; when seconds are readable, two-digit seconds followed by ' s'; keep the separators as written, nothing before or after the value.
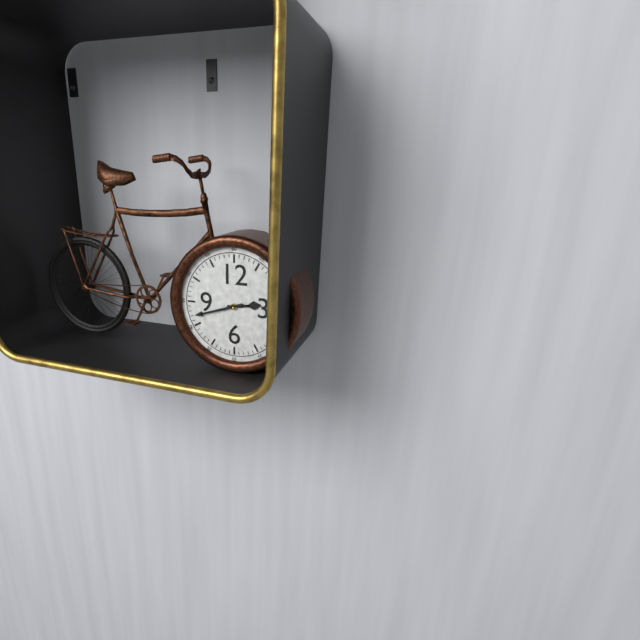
2 h 42 min
